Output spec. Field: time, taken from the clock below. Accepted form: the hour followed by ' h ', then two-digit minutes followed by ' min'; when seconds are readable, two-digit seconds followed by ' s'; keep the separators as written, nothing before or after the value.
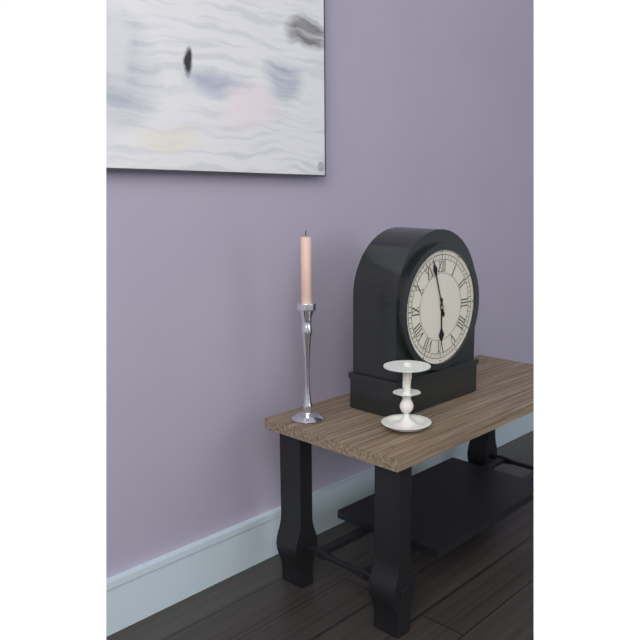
5 h 57 min
